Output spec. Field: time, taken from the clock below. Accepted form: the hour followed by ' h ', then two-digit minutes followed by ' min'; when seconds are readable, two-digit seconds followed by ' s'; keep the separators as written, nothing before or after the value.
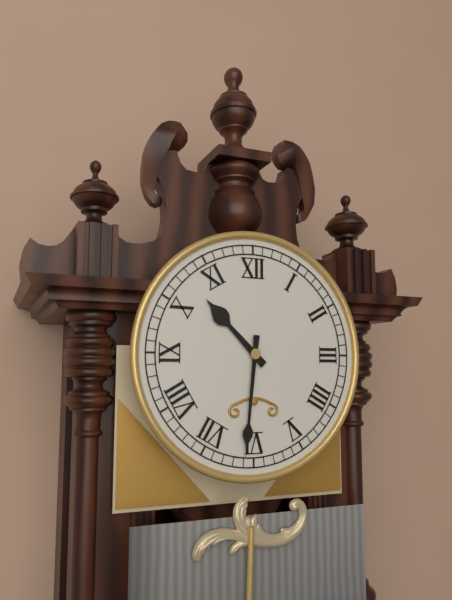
10 h 31 min
